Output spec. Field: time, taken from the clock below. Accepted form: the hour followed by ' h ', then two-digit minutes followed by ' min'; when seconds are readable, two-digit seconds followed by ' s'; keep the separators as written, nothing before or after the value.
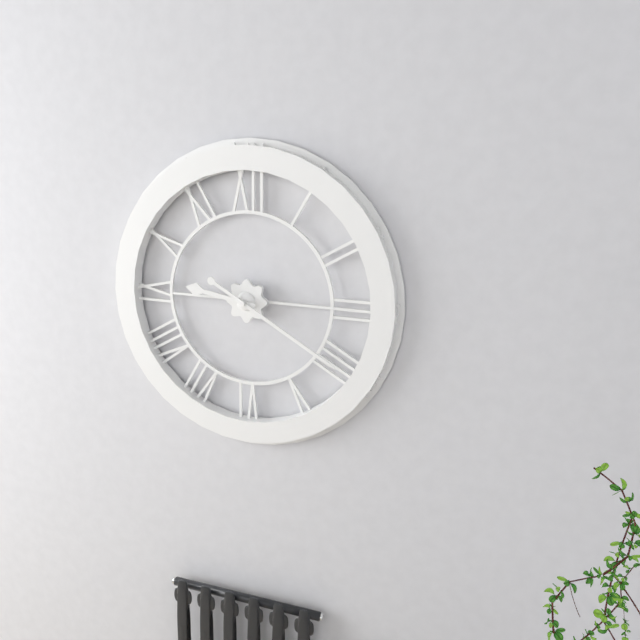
9 h 20 min
